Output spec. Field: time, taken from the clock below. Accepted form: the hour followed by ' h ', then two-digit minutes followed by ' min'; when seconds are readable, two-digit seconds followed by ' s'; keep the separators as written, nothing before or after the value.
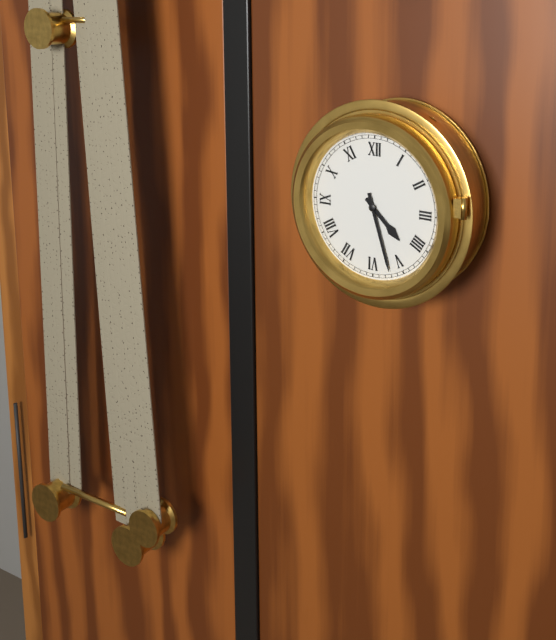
4 h 27 min
